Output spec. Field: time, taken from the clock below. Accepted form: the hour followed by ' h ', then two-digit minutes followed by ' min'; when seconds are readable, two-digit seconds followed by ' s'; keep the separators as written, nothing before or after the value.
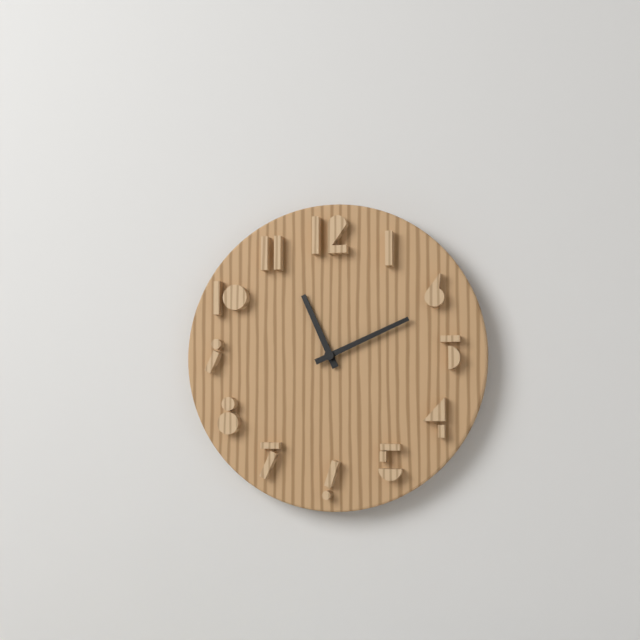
11 h 11 min
